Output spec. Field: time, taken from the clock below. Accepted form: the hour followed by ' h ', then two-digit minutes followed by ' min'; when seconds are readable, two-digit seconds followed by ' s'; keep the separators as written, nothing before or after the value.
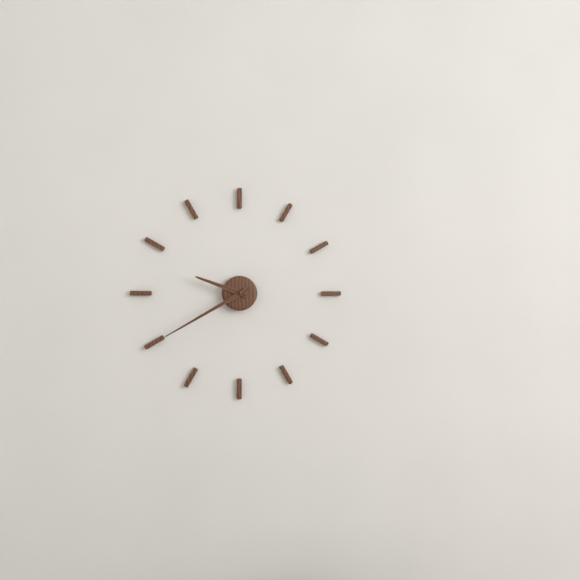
9 h 40 min
